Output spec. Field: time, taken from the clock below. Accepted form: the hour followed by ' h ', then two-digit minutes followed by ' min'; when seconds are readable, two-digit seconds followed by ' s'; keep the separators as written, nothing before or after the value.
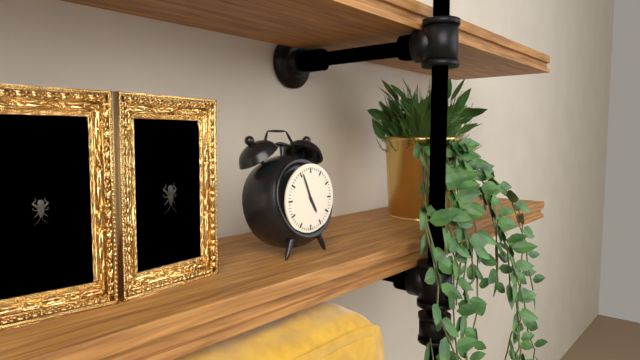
4 h 56 min
